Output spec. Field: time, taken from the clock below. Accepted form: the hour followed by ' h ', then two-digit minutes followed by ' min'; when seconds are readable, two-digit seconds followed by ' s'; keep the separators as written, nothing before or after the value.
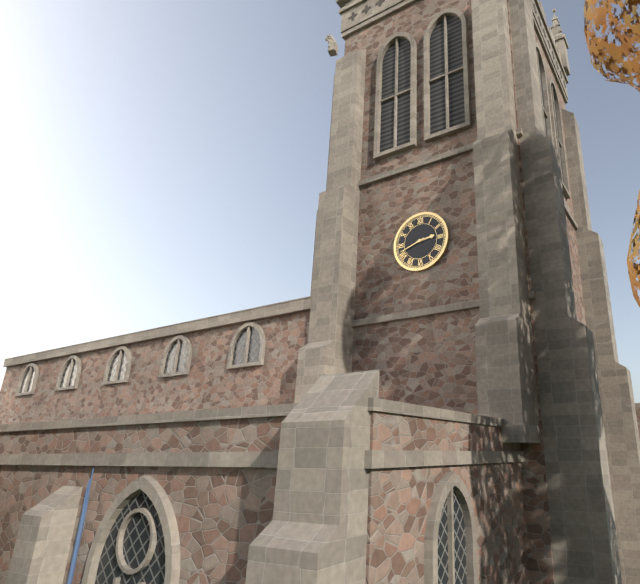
2 h 42 min
